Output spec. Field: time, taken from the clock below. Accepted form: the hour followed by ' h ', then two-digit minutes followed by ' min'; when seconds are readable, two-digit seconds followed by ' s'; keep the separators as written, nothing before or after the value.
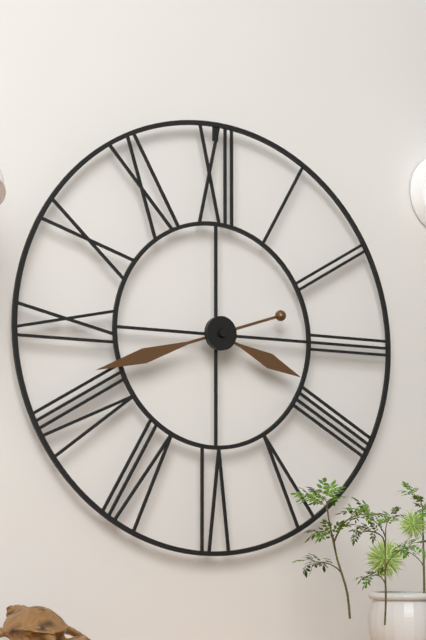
3 h 42 min
